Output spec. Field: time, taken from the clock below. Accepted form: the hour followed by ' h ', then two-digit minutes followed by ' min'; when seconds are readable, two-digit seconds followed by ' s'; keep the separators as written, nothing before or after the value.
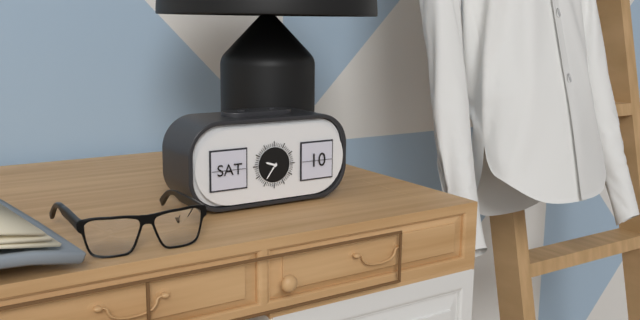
9 h 36 min
